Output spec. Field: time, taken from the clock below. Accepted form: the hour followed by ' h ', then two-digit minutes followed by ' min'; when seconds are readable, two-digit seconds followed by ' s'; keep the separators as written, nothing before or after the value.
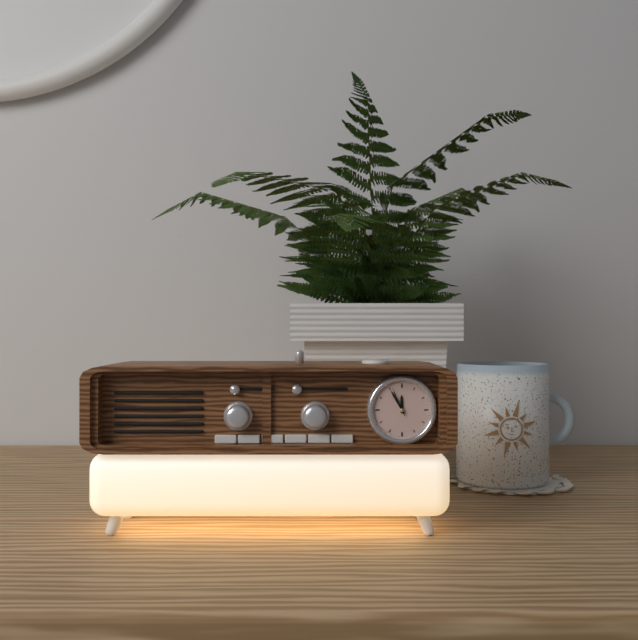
11 h 55 min
